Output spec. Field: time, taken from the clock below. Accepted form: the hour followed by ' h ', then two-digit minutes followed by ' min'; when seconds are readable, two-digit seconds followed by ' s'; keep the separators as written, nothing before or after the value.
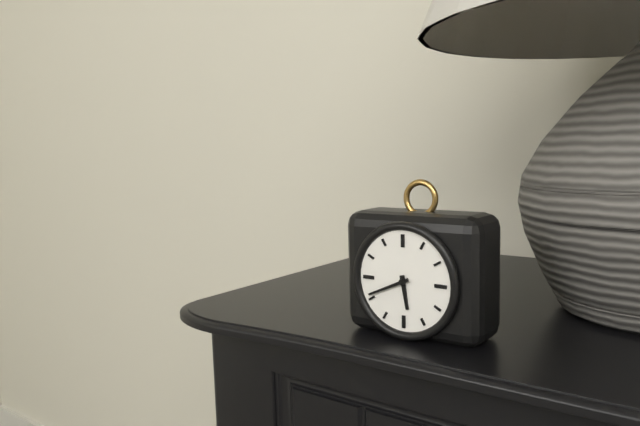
5 h 41 min
